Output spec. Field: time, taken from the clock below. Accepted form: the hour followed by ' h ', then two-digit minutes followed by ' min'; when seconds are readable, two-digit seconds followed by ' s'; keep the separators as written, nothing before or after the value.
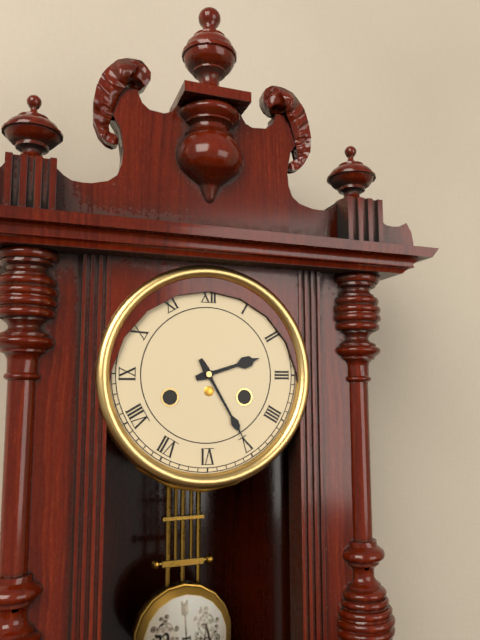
2 h 25 min
